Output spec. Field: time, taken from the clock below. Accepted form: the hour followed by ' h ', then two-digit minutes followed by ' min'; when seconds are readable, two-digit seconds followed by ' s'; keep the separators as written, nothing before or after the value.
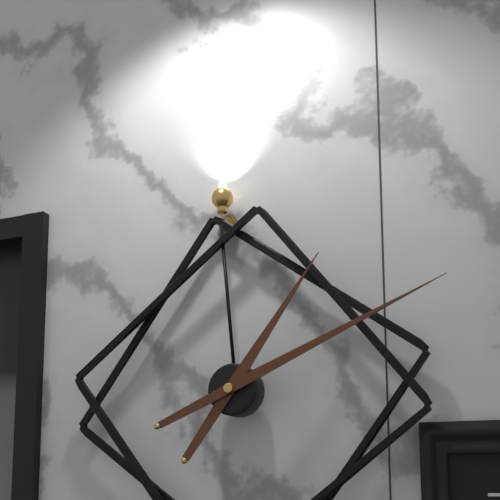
1 h 11 min
